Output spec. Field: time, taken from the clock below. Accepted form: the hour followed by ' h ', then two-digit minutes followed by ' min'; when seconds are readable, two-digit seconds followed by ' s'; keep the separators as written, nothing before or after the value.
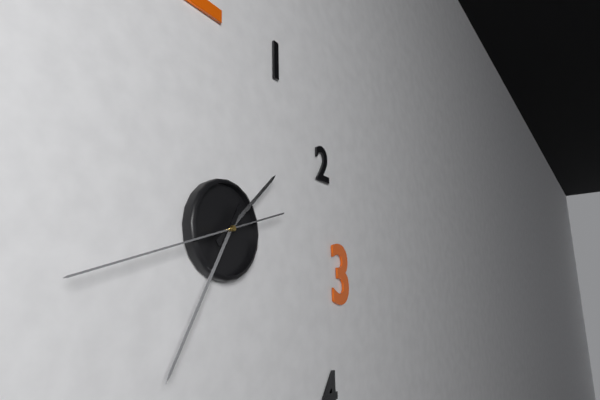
1 h 35 min 42 s
